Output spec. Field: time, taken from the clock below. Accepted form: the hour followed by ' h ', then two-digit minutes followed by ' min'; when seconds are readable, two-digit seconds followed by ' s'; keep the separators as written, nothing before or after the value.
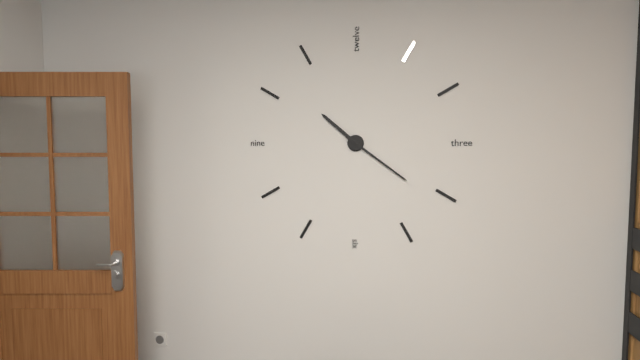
10 h 21 min
